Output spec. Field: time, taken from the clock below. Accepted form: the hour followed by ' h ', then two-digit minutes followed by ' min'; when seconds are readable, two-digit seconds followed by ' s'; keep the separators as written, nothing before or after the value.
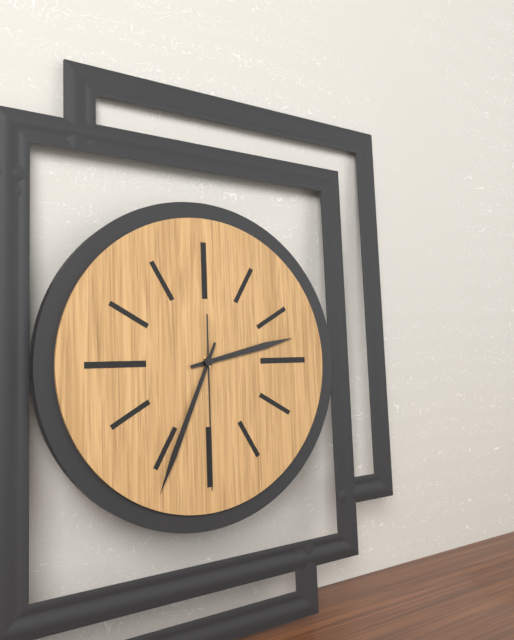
2 h 34 min 30 s
